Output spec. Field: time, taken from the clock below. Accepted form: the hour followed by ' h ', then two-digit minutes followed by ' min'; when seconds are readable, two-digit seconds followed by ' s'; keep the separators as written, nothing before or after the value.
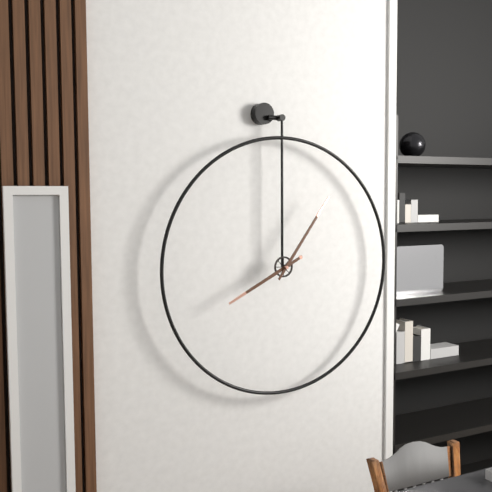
8 h 06 min
